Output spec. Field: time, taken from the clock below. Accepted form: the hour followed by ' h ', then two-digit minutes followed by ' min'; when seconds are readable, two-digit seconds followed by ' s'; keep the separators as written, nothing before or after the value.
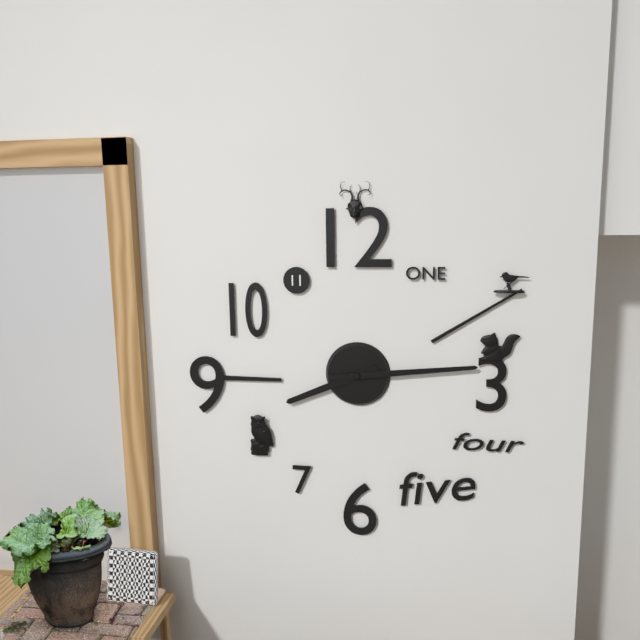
8 h 14 min
